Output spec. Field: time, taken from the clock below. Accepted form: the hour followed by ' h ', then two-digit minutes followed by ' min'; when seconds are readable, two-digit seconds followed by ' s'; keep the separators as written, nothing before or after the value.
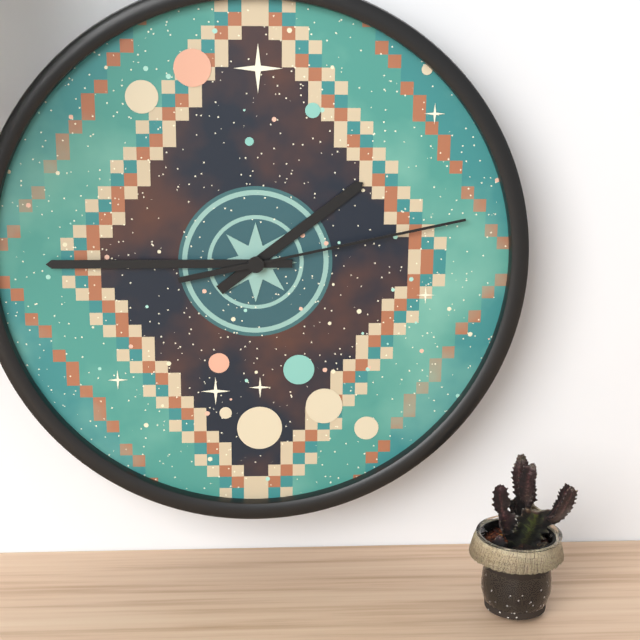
1 h 45 min 13 s
